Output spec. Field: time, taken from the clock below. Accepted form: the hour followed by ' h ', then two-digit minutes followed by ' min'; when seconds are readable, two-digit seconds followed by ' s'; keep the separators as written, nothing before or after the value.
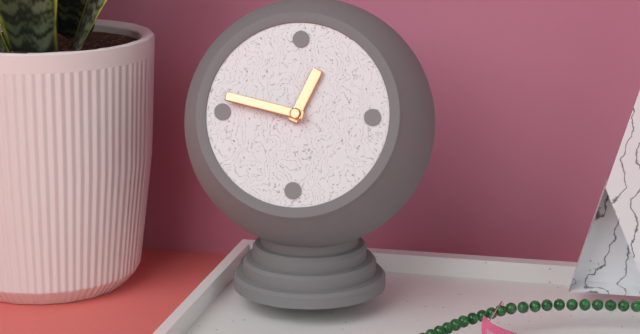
12 h 47 min
